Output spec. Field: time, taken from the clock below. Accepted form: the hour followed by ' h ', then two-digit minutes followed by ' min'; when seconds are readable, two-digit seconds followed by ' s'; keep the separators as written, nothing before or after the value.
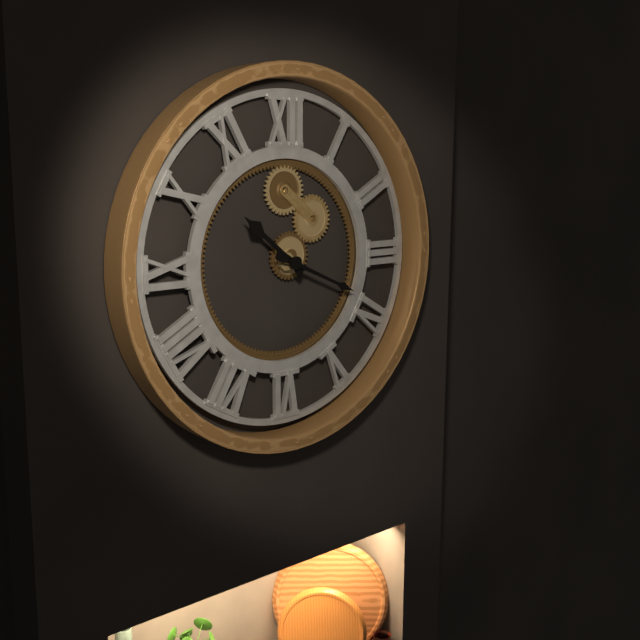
10 h 19 min
